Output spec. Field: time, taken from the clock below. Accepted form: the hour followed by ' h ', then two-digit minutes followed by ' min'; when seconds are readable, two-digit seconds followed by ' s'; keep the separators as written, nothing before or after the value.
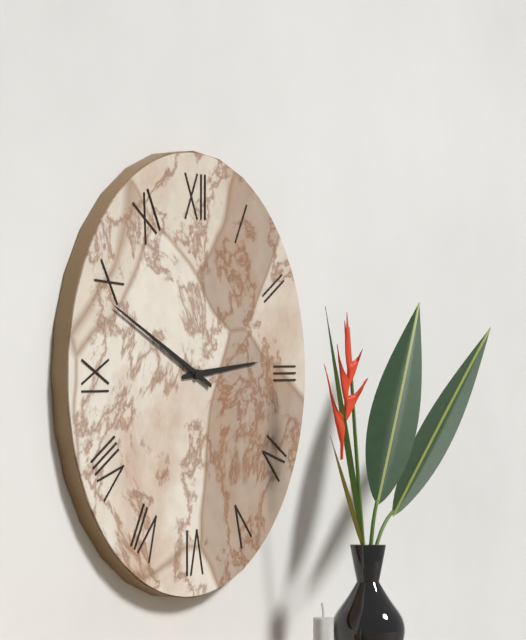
2 h 49 min
